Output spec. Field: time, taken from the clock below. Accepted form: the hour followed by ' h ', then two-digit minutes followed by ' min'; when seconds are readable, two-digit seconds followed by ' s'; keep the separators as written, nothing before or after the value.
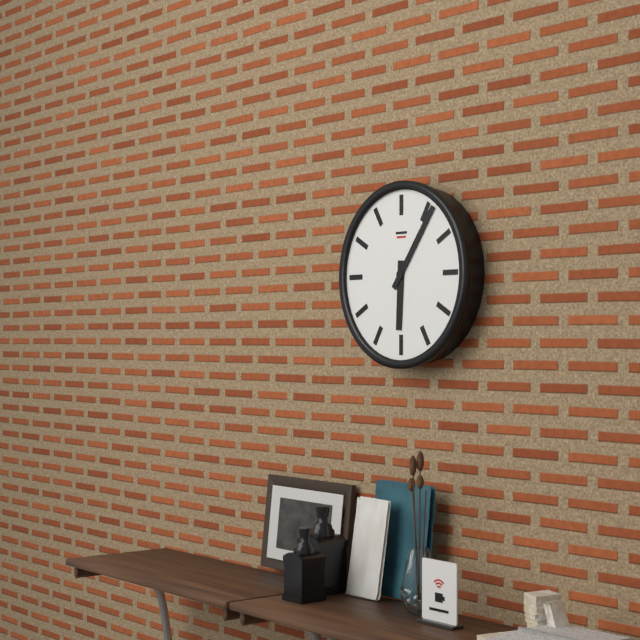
6 h 06 min
